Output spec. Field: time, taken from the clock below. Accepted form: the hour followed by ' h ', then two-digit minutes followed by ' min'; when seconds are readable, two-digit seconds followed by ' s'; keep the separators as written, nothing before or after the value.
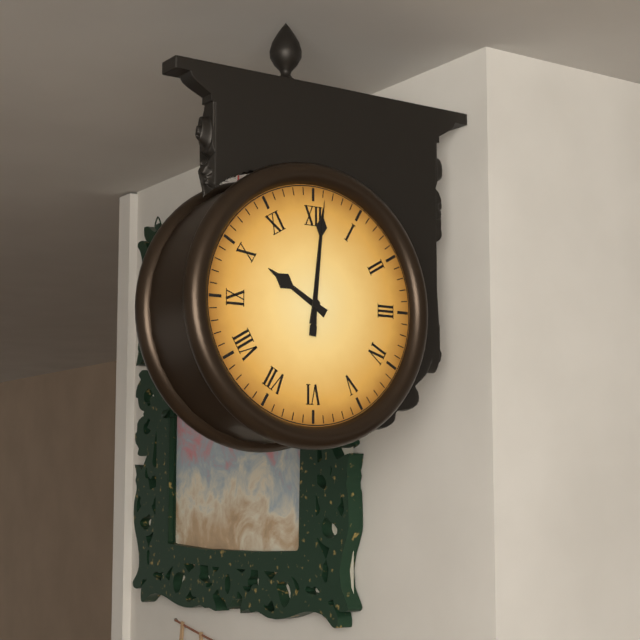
10 h 01 min 01 s
